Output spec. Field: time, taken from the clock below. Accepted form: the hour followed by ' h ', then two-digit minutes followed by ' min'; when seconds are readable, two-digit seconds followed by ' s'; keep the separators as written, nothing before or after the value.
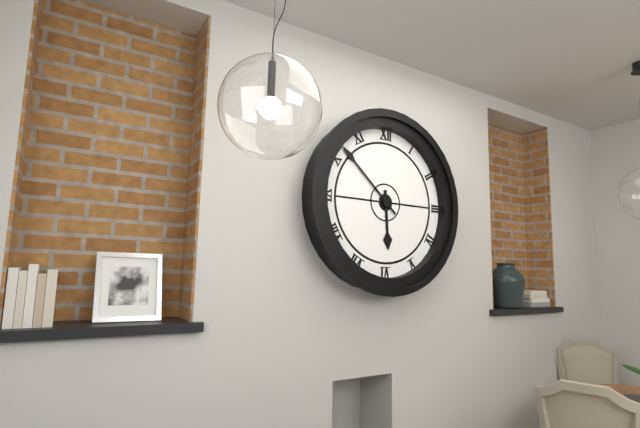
5 h 52 min
